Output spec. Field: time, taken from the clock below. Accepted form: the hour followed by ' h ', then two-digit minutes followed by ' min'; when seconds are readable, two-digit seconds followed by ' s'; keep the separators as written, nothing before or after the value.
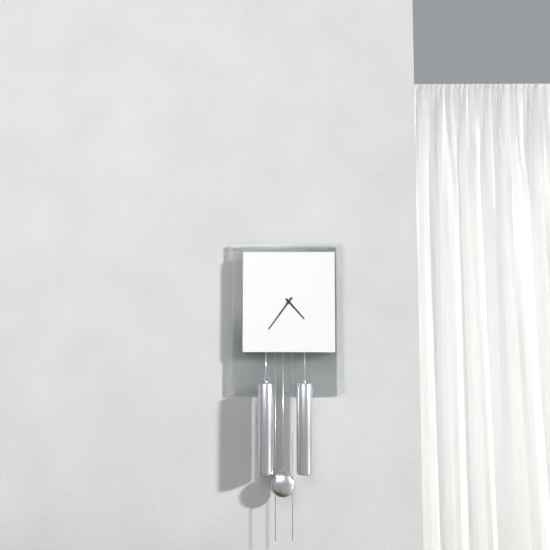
4 h 36 min
